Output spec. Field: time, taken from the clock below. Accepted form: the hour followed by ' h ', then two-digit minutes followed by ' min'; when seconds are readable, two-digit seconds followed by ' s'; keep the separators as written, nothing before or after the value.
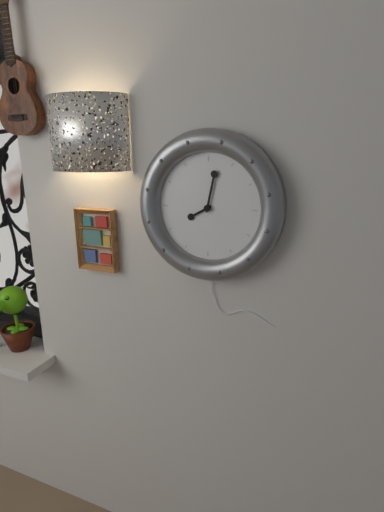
8 h 02 min
